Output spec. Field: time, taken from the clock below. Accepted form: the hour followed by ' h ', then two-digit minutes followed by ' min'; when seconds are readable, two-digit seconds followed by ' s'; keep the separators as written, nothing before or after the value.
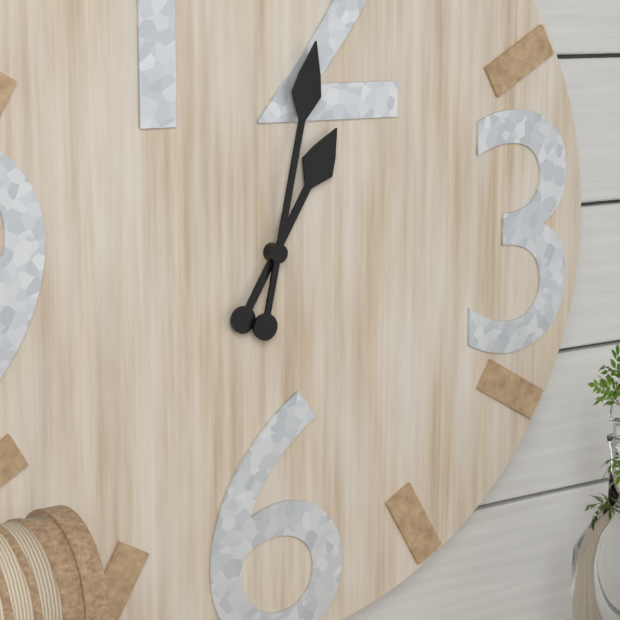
1 h 02 min
